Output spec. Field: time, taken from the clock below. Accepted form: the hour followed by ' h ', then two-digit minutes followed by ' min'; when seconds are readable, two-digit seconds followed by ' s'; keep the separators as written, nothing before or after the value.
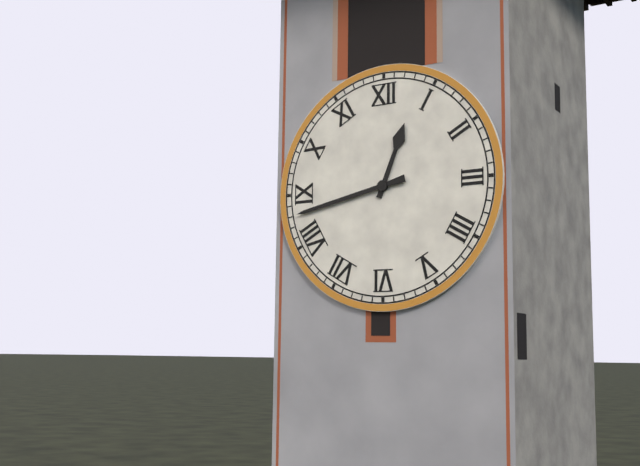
12 h 43 min
